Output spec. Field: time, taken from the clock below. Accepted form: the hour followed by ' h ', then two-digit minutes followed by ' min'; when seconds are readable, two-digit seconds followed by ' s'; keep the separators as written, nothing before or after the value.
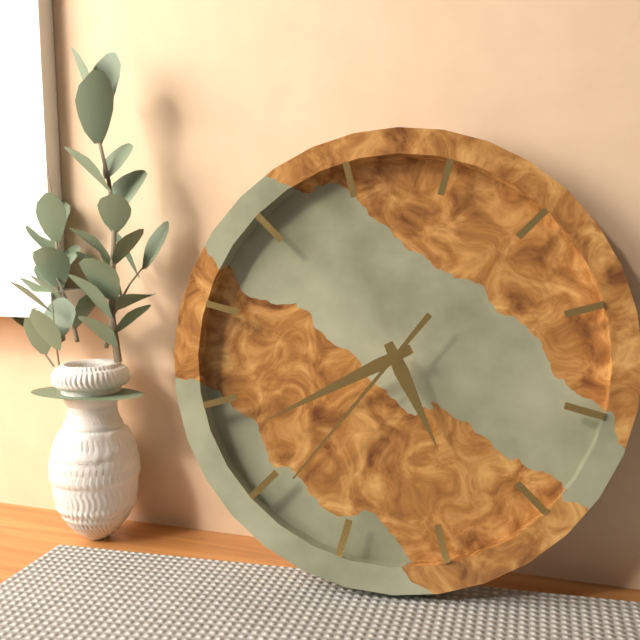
4 h 38 min 34 s
